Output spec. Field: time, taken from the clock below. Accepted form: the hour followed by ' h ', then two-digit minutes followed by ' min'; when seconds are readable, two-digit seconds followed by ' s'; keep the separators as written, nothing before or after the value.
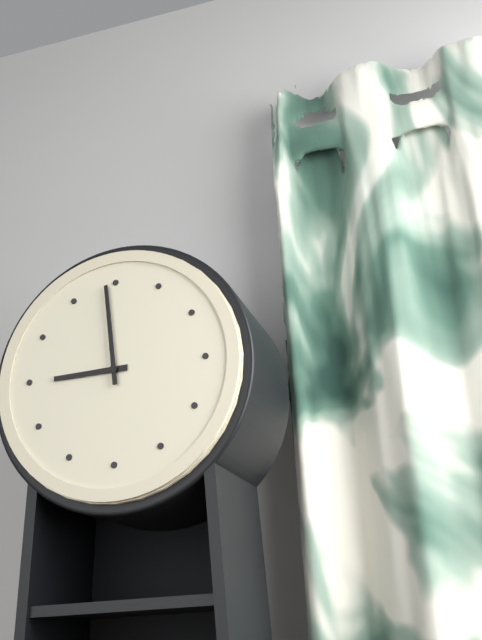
8 h 59 min
